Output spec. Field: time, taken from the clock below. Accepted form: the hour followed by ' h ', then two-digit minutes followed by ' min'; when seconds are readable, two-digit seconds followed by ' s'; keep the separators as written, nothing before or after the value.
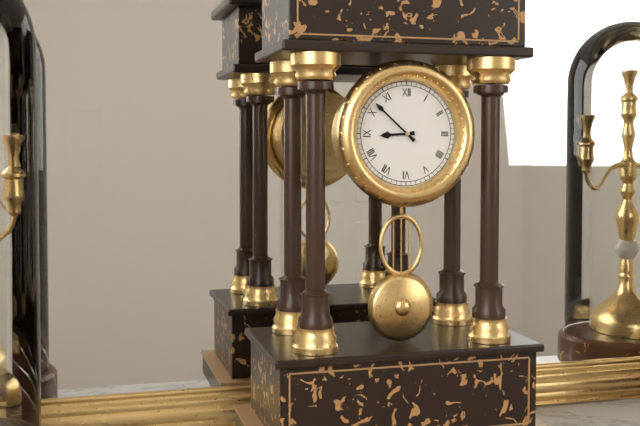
8 h 52 min
